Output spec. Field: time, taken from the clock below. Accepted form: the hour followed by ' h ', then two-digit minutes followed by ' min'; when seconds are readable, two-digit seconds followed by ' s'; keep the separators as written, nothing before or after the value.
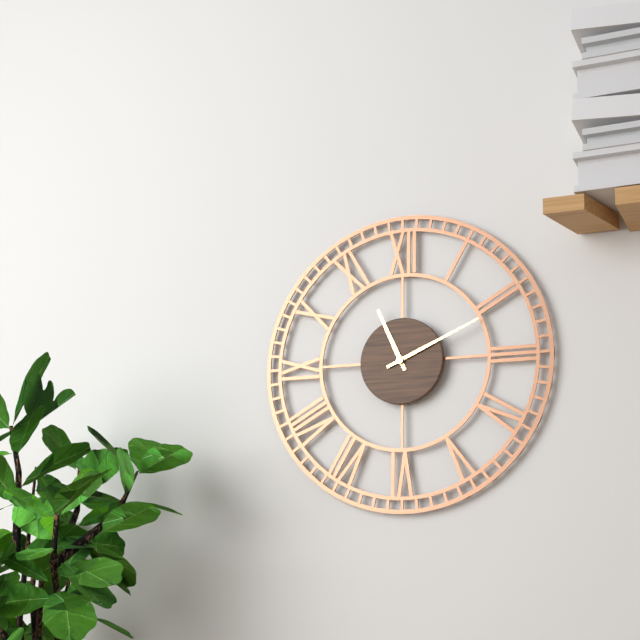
11 h 11 min
